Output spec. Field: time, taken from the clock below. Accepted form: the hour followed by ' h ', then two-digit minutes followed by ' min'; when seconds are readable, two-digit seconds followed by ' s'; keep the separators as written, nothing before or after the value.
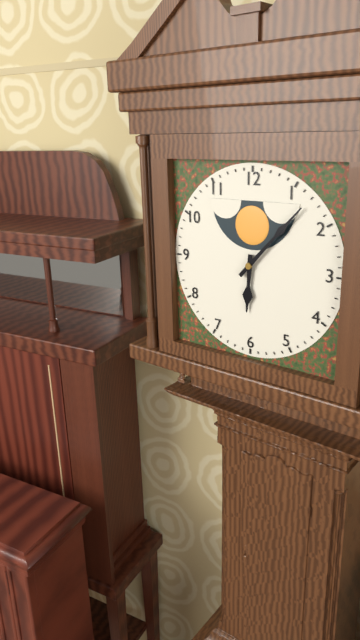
6 h 07 min
